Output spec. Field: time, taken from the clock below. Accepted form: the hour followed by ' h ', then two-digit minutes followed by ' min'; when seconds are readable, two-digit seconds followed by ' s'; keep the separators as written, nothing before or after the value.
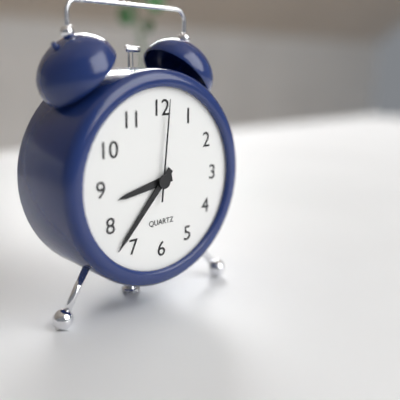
8 h 37 min 01 s
